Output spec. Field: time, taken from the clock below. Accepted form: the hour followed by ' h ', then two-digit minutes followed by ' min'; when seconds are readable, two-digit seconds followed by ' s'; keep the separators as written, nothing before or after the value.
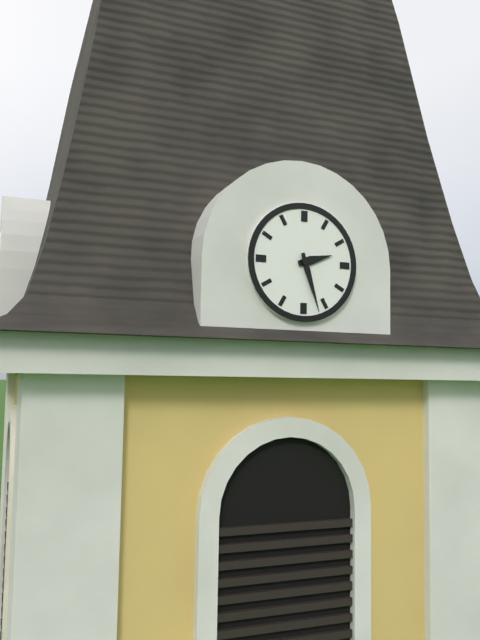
2 h 27 min
